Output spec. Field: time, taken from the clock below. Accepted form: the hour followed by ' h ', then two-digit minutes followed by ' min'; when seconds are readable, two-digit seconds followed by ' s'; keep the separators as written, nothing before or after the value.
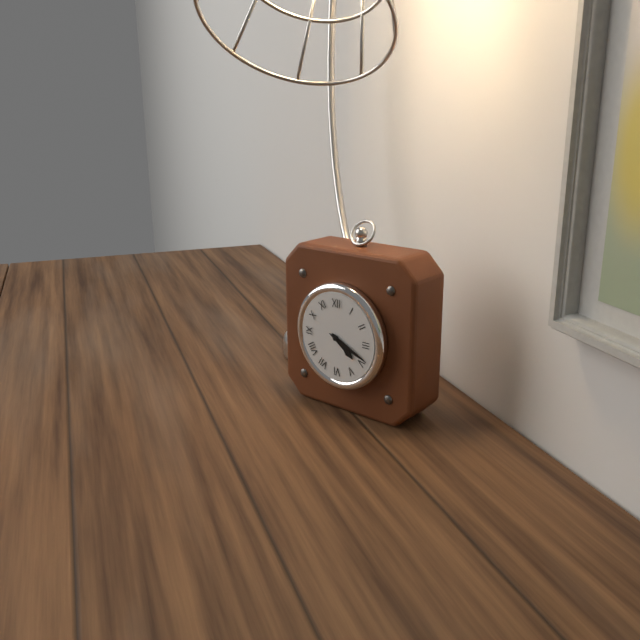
4 h 19 min
